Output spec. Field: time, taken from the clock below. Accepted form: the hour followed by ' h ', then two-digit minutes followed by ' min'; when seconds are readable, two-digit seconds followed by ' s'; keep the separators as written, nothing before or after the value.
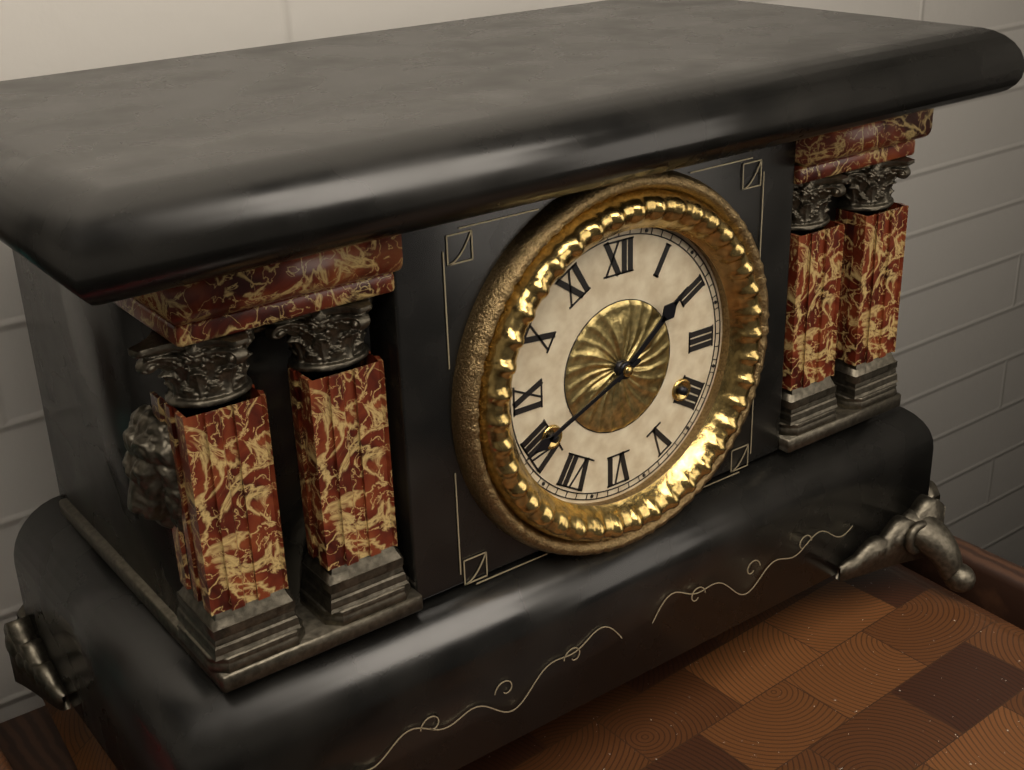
1 h 41 min
